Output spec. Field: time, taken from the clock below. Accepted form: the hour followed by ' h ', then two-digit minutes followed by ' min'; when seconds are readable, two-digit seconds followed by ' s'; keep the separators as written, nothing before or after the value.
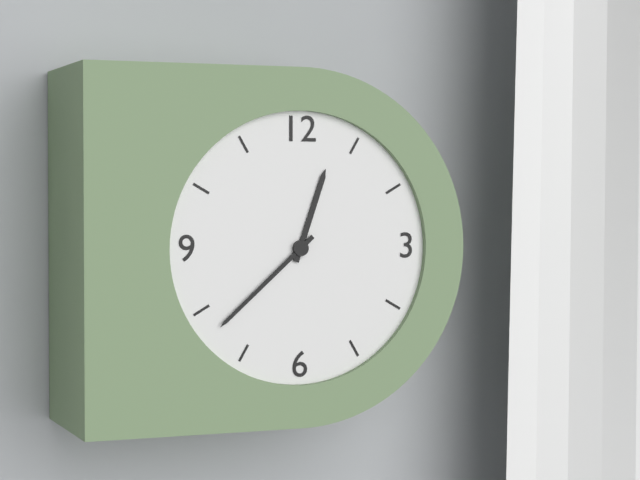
12 h 38 min
